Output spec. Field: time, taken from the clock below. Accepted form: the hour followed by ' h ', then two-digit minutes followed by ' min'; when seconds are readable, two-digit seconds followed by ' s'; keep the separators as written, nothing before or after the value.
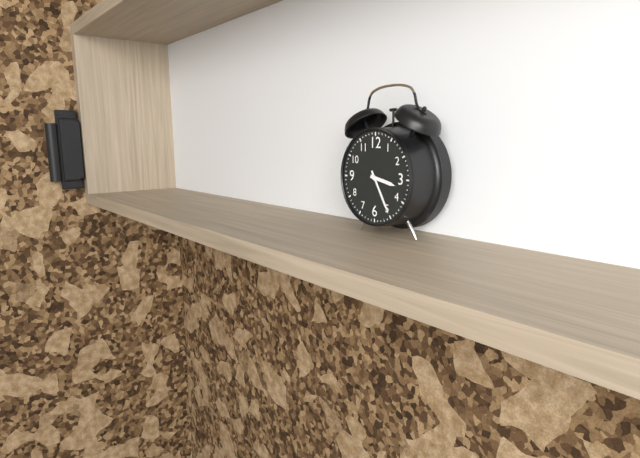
3 h 25 min
